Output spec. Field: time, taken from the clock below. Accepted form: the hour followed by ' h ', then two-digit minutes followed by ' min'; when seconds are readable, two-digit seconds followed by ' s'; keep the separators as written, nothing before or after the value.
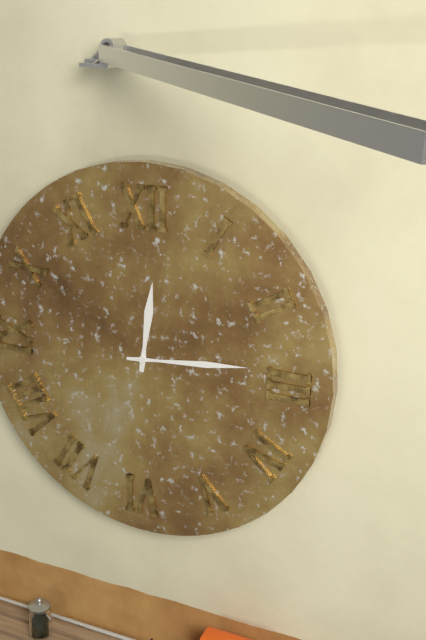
12 h 14 min
